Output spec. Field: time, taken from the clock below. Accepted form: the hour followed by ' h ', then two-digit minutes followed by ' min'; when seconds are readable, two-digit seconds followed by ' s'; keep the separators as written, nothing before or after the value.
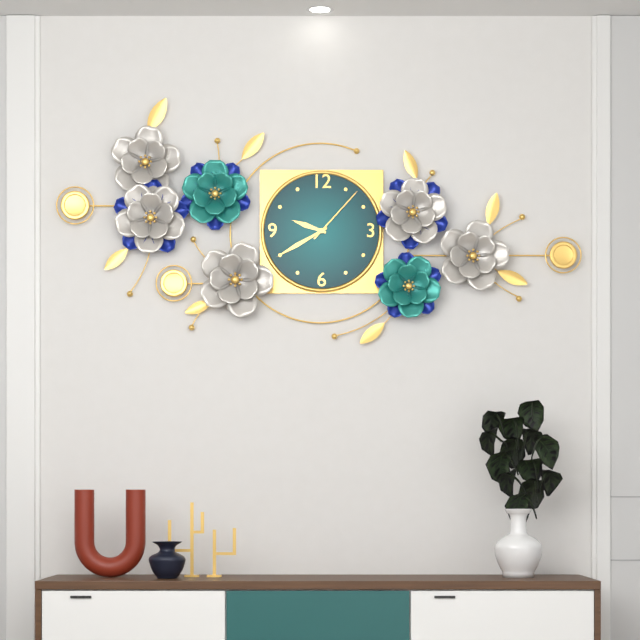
9 h 40 min 07 s
